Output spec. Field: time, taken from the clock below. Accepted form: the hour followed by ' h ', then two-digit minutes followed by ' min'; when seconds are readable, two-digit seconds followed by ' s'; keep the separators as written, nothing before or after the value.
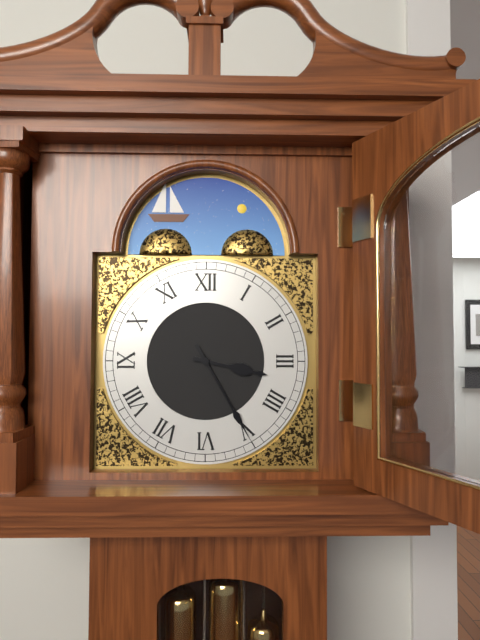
3 h 25 min
